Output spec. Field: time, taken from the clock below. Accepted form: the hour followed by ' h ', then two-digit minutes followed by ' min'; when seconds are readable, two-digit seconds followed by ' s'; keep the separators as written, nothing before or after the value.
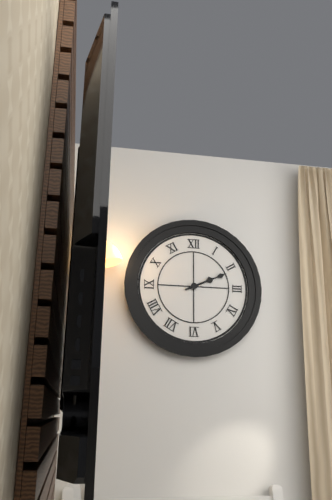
2 h 11 min
